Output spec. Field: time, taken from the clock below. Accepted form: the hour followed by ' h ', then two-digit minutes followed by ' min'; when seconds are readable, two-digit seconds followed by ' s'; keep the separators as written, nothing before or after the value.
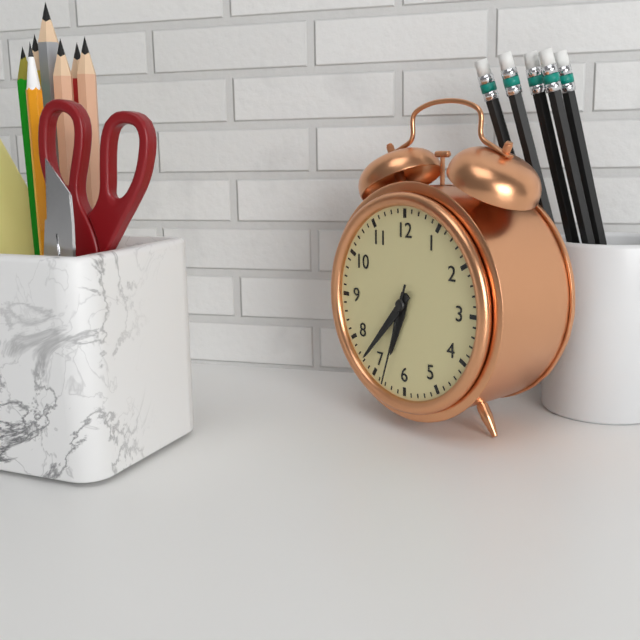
6 h 37 min 33 s
